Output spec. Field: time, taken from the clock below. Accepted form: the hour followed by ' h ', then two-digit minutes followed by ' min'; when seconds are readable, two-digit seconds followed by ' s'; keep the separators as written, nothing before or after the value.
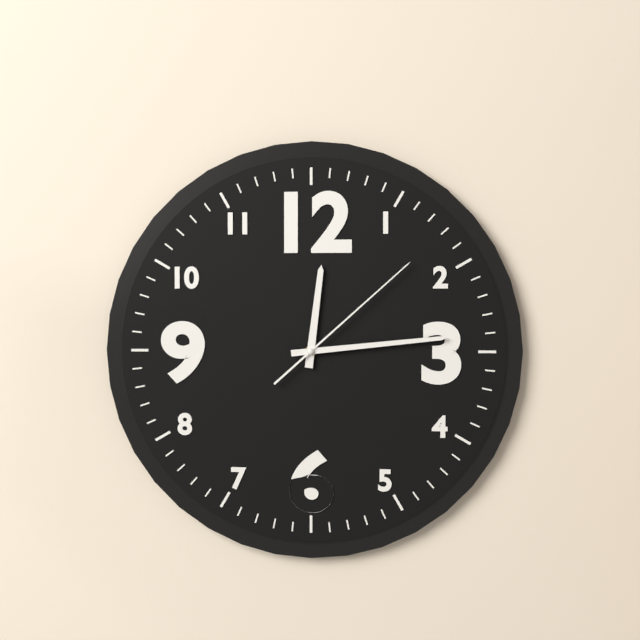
12 h 14 min 08 s
